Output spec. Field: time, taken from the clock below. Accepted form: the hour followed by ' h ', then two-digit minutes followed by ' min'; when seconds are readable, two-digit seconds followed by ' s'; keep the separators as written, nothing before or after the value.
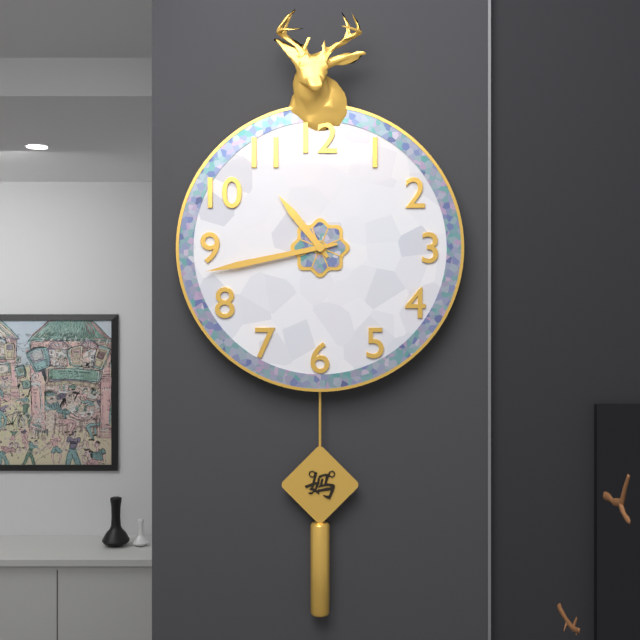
10 h 43 min
